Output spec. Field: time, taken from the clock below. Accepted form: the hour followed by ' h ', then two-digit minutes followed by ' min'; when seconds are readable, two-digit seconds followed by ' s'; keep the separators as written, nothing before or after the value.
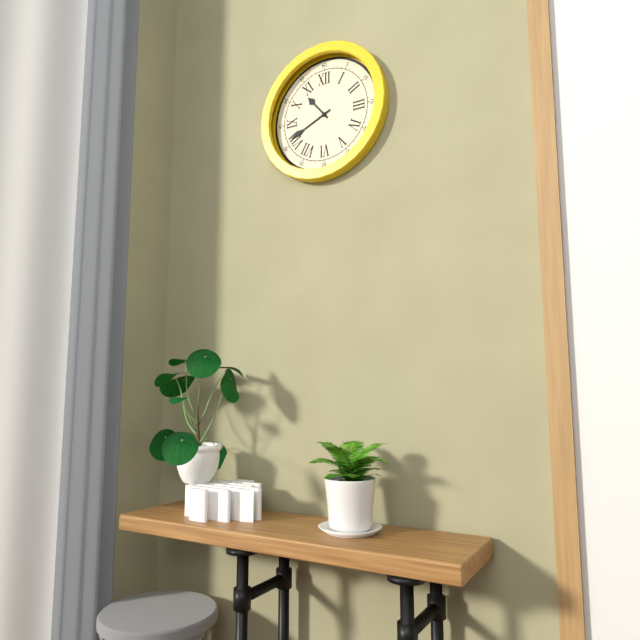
10 h 41 min
